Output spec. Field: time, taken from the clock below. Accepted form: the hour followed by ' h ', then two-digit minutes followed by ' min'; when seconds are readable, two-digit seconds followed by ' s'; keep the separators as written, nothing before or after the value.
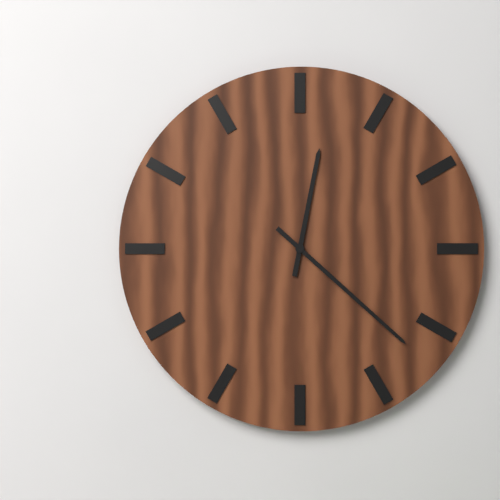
12 h 22 min
